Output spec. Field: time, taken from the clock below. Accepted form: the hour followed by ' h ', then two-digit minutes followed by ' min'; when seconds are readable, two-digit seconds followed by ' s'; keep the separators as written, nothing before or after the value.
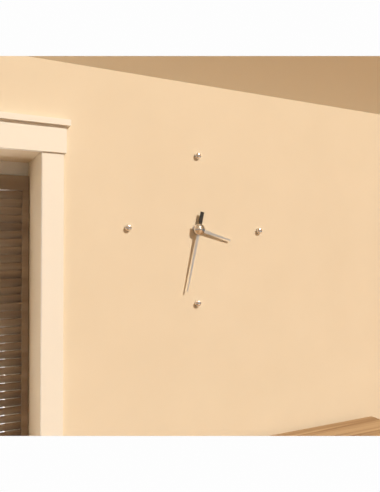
3 h 32 min
